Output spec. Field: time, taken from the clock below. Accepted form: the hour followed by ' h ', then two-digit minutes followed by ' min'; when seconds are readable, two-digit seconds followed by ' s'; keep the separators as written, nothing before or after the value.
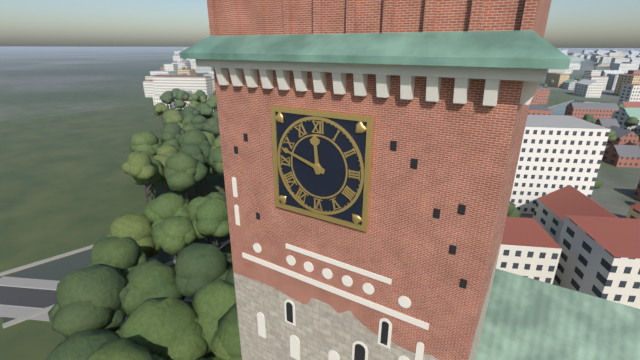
11 h 48 min
